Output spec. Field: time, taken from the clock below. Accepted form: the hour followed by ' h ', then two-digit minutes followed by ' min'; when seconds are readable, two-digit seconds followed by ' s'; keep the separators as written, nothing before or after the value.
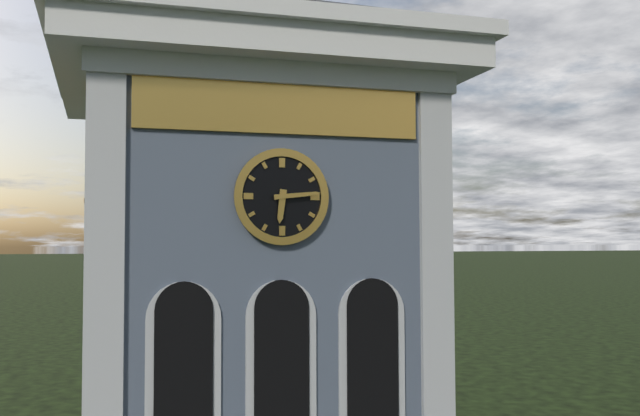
6 h 14 min
